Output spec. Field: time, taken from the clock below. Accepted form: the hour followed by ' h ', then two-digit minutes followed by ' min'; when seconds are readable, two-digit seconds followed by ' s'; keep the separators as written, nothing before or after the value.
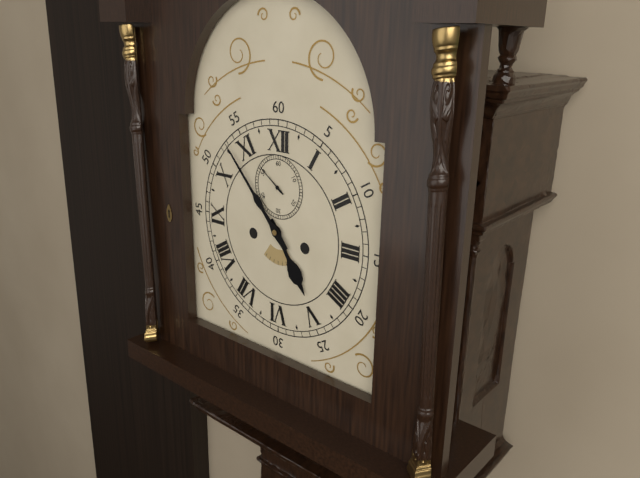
4 h 53 min
